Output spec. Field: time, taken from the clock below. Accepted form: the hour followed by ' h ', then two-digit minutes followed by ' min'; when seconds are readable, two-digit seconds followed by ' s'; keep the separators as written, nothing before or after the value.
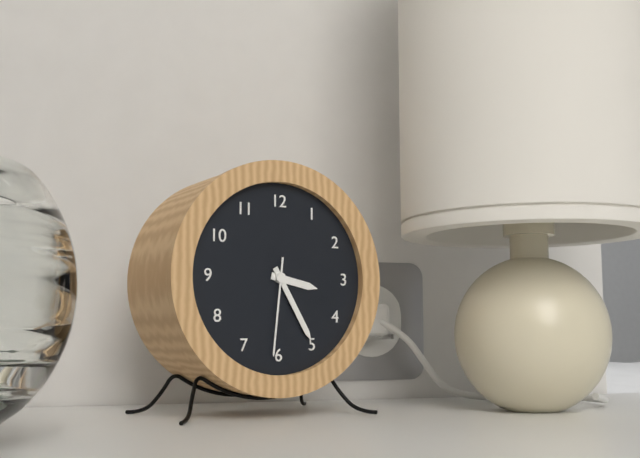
3 h 25 min 31 s
